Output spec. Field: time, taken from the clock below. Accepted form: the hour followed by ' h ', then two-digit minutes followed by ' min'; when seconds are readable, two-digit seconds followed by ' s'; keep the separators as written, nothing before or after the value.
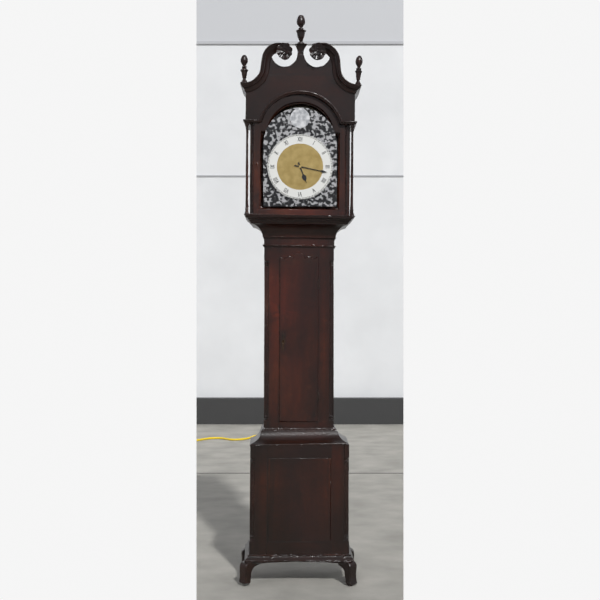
5 h 17 min
